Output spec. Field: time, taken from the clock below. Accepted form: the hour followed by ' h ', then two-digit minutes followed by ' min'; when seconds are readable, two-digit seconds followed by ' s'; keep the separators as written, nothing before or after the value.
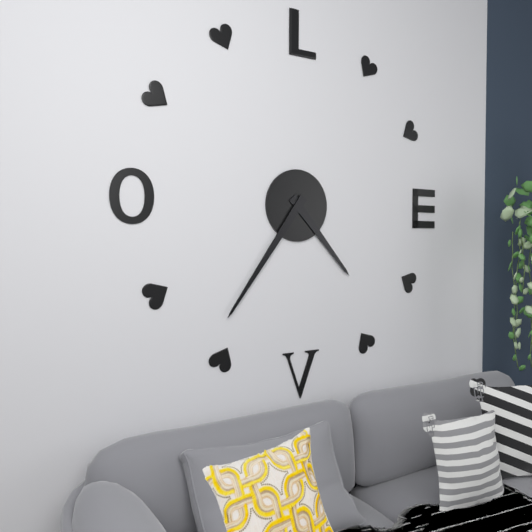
4 h 36 min
